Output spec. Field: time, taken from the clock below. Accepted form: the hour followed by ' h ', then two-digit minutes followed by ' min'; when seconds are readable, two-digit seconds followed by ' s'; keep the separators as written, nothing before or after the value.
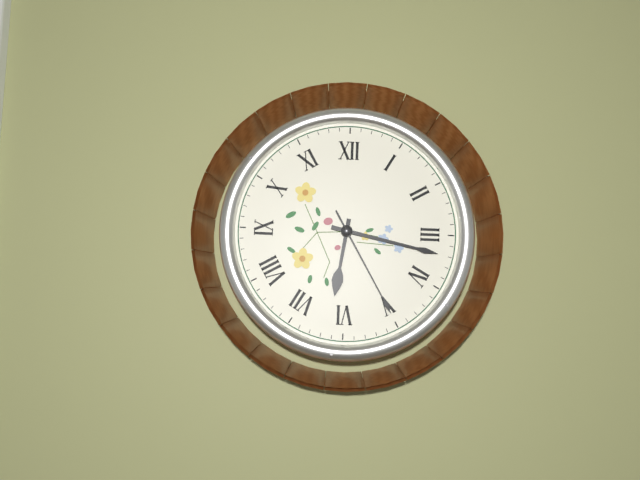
6 h 17 min 25 s
